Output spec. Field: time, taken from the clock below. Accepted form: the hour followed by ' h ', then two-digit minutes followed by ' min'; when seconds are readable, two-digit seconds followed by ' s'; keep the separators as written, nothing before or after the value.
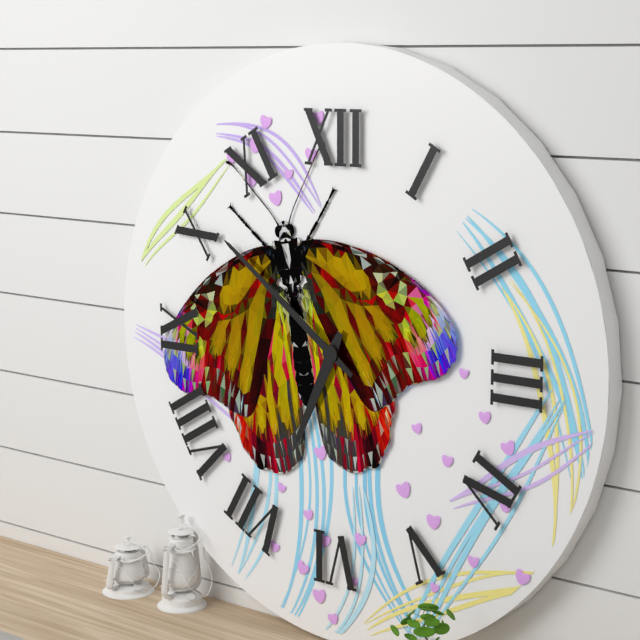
6 h 51 min
